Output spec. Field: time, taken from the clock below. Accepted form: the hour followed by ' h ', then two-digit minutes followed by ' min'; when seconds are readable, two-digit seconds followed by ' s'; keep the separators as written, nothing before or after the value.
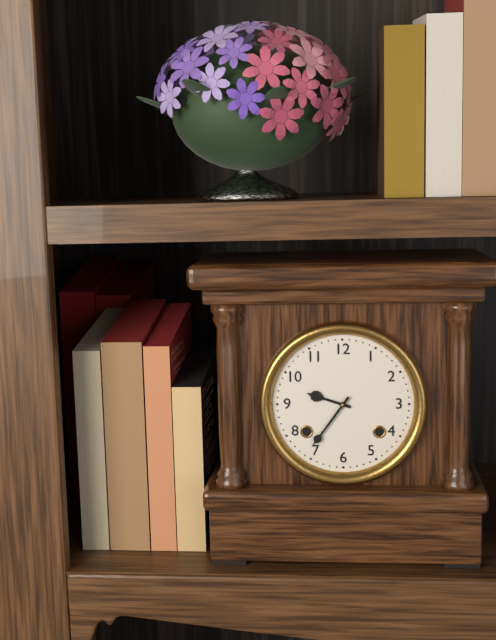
9 h 36 min
